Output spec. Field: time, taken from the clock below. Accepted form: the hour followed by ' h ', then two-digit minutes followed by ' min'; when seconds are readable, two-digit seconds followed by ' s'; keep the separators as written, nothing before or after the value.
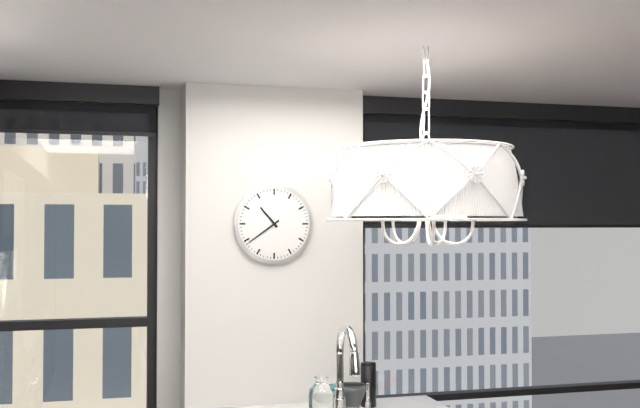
10 h 39 min
